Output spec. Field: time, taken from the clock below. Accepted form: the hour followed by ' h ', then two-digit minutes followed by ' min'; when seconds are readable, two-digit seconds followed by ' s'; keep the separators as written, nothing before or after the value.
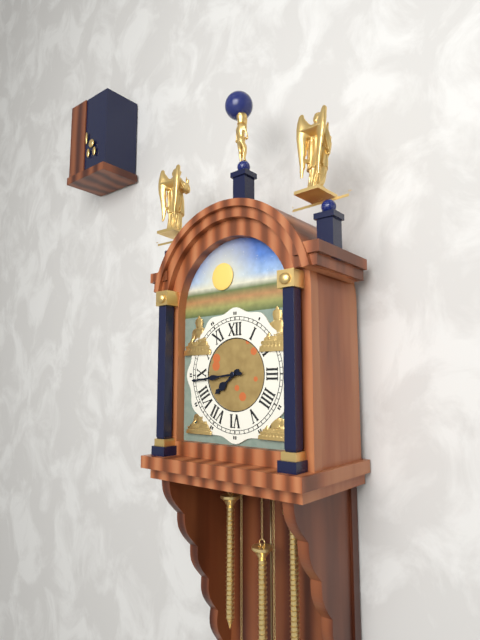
7 h 44 min
